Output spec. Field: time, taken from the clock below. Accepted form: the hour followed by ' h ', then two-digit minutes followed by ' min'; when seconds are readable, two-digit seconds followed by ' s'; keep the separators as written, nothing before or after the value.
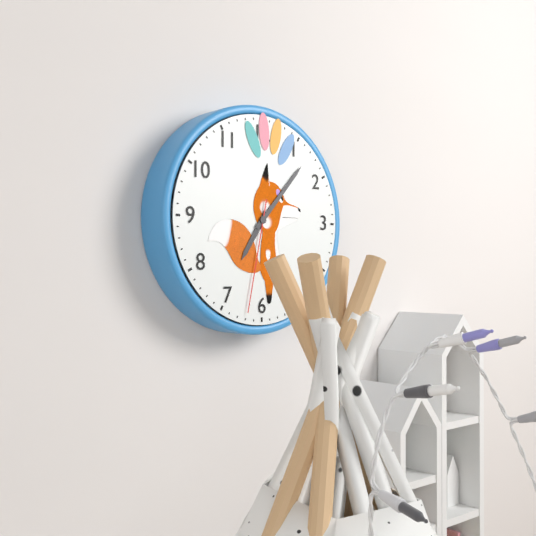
7 h 07 min 32 s
